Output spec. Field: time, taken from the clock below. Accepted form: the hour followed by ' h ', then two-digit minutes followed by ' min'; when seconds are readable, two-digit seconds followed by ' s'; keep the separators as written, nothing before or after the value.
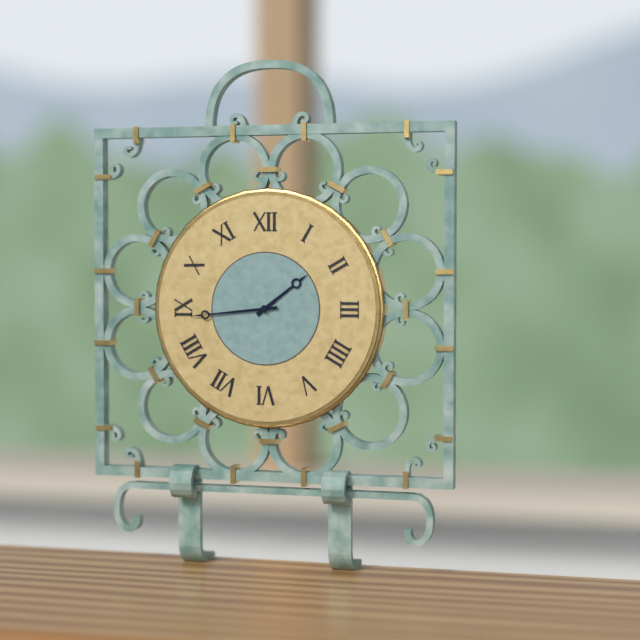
1 h 44 min
